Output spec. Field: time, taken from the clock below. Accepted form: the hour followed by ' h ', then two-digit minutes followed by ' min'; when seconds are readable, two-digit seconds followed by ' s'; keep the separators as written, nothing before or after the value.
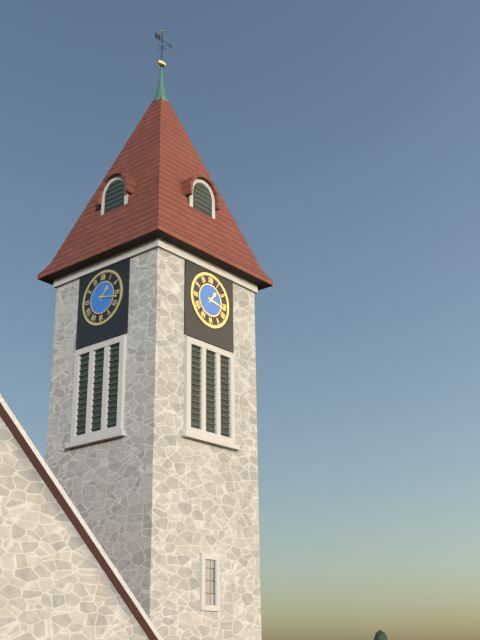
1 h 17 min
